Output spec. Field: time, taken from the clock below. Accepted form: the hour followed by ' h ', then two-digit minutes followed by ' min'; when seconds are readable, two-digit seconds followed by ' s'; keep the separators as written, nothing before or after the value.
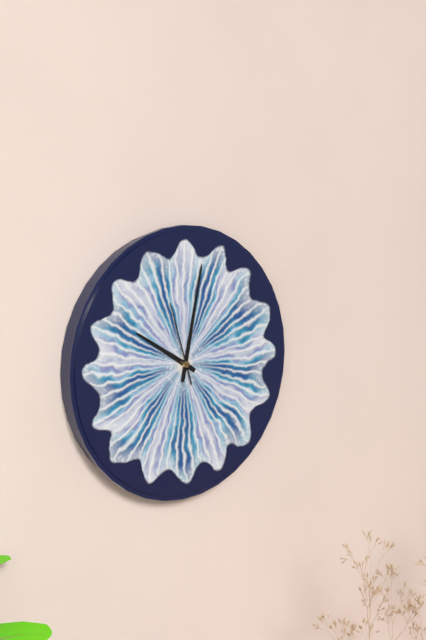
10 h 02 min 57 s
